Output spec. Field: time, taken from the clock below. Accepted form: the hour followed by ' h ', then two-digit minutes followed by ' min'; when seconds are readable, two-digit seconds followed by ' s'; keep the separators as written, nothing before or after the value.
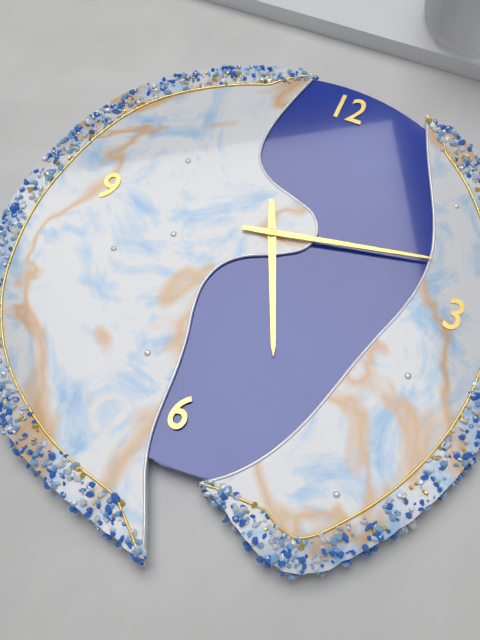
5 h 13 min
